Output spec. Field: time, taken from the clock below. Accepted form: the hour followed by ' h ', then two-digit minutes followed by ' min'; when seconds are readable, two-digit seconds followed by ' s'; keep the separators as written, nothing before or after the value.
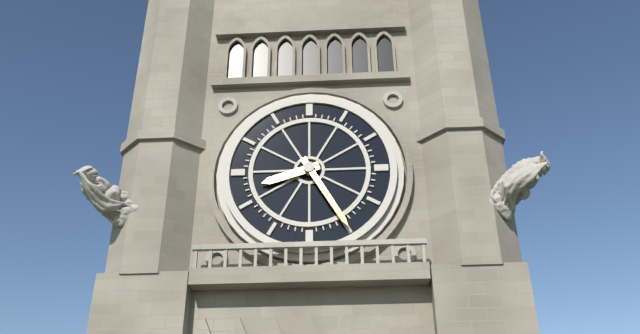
8 h 25 min
